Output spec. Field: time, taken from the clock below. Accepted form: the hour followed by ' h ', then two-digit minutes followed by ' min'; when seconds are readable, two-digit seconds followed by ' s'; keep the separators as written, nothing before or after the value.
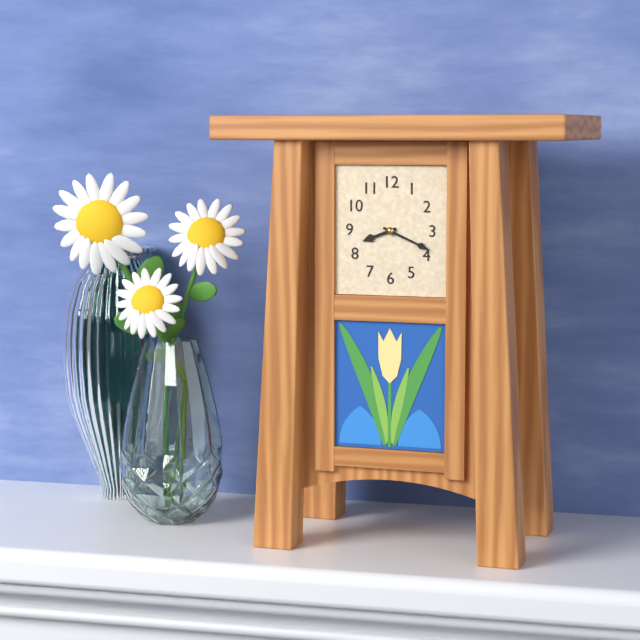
8 h 19 min
